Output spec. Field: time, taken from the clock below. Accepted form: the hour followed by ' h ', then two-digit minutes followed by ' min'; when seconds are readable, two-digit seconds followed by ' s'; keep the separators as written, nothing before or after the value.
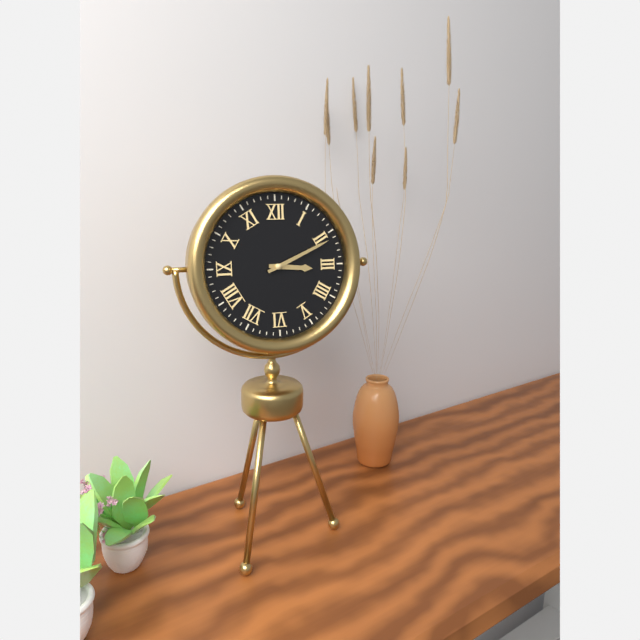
3 h 11 min
